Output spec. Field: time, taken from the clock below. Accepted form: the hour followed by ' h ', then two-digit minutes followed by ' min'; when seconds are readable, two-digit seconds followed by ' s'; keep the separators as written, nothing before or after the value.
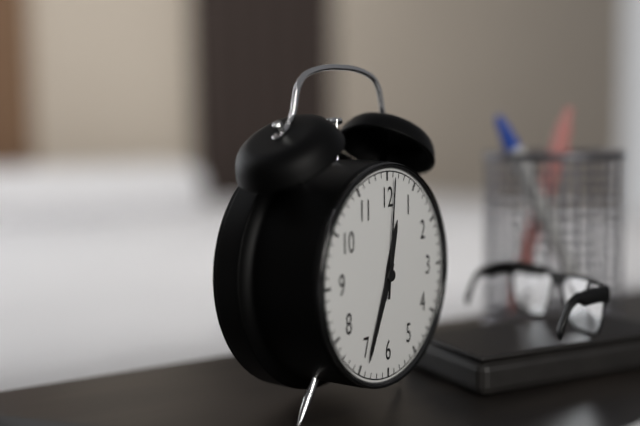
12 h 34 min 01 s
